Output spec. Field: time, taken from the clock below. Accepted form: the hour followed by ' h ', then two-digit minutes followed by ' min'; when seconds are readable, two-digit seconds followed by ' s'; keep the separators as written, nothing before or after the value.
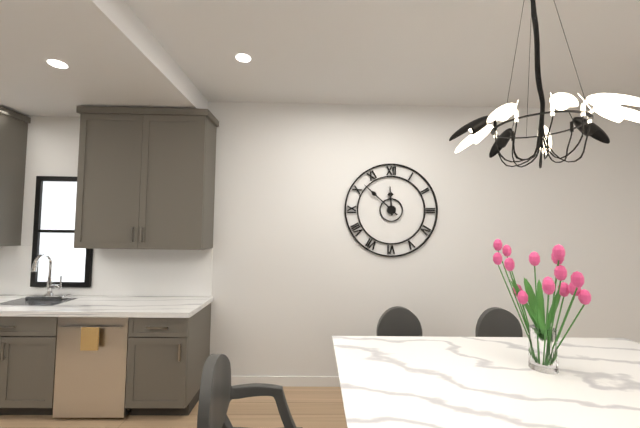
11 h 52 min
